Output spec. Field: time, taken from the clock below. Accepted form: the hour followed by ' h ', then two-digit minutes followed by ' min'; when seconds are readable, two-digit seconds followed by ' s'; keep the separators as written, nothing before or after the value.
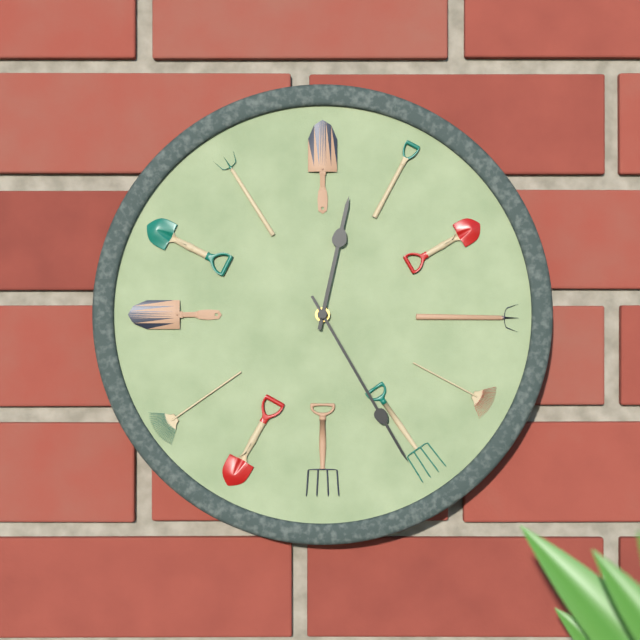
12 h 25 min
